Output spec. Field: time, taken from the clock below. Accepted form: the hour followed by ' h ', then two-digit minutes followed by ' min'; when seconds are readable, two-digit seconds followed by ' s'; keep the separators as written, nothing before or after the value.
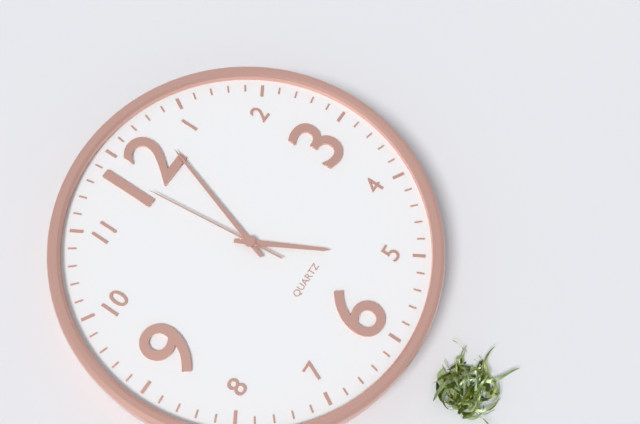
5 h 03 min 59 s
